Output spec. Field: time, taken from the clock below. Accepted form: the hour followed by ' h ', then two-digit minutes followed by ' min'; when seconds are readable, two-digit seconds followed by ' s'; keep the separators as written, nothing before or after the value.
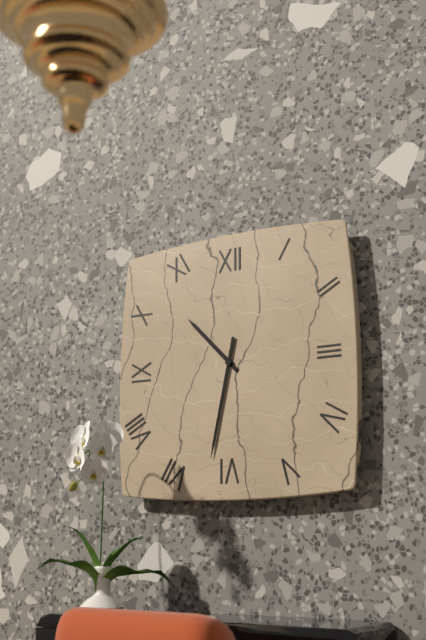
10 h 32 min
